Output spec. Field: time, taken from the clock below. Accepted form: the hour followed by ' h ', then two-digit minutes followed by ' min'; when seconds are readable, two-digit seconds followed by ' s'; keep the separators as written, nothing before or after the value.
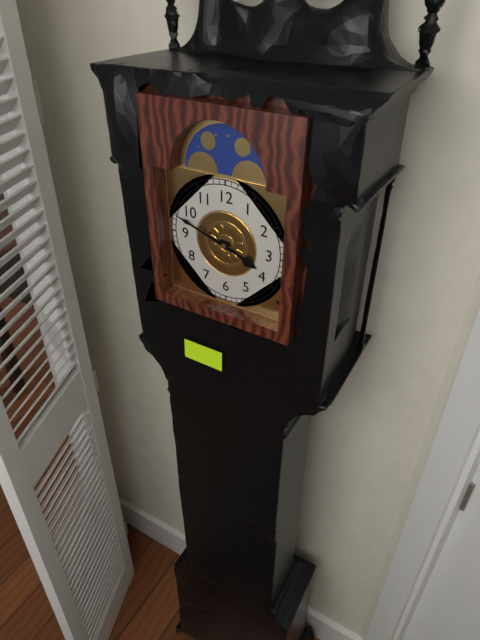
3 h 48 min
